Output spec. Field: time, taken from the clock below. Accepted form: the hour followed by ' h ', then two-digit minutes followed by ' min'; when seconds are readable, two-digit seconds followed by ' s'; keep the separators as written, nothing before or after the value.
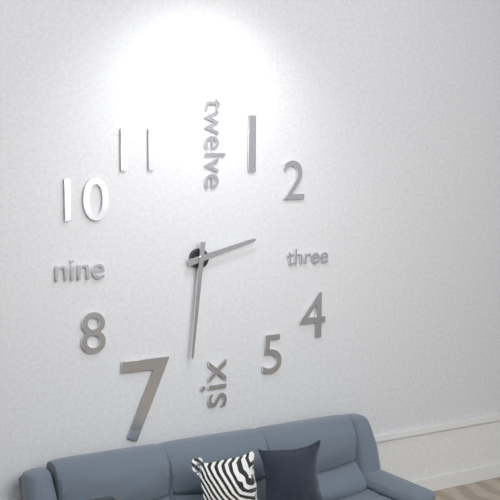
2 h 31 min
